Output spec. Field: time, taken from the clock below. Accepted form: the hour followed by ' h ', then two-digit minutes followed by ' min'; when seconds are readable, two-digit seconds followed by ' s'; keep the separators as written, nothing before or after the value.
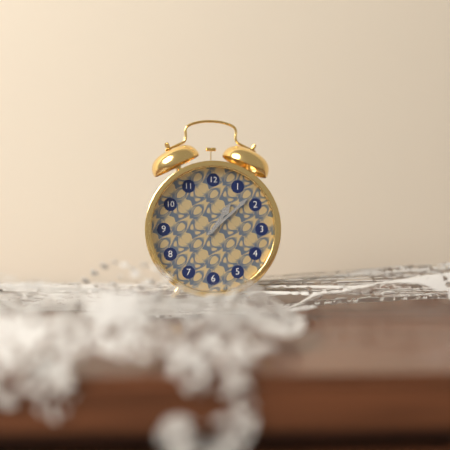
1 h 08 min
